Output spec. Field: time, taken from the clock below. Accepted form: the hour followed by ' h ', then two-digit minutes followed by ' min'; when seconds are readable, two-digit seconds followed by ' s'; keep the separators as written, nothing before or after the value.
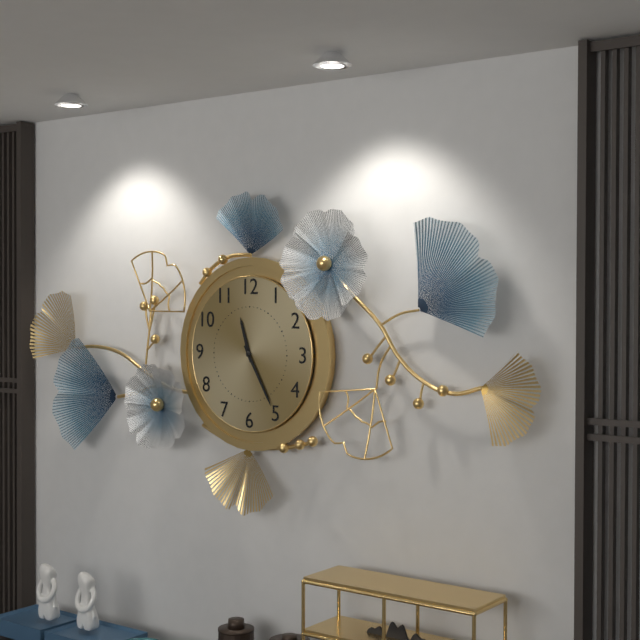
11 h 25 min
